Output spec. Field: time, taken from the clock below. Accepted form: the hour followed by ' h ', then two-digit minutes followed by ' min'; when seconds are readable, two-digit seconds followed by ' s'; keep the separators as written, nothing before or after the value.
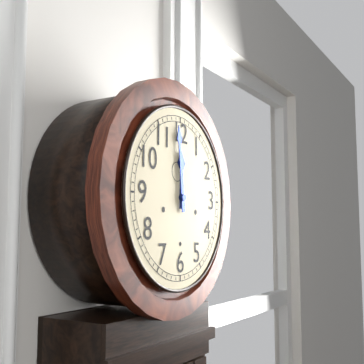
11 h 59 min
